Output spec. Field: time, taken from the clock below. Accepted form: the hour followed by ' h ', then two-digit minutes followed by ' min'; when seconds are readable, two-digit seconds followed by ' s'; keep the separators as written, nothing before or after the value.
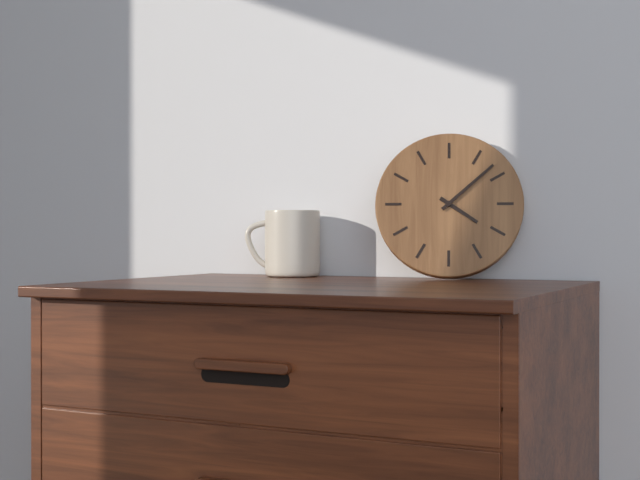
4 h 08 min
